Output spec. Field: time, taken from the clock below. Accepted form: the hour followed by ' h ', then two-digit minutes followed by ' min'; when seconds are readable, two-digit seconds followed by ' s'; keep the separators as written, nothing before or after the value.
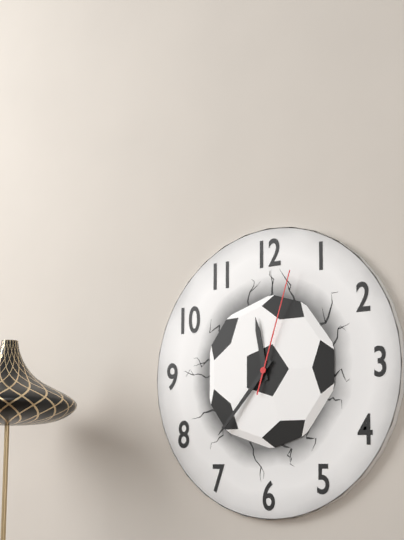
11 h 37 min 03 s
